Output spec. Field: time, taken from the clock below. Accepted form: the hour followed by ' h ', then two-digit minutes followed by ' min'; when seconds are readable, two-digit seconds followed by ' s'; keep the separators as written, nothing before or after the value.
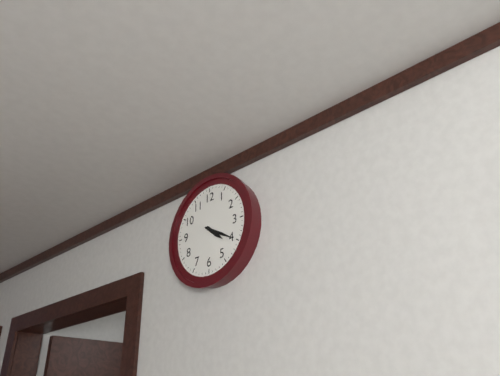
4 h 20 min
